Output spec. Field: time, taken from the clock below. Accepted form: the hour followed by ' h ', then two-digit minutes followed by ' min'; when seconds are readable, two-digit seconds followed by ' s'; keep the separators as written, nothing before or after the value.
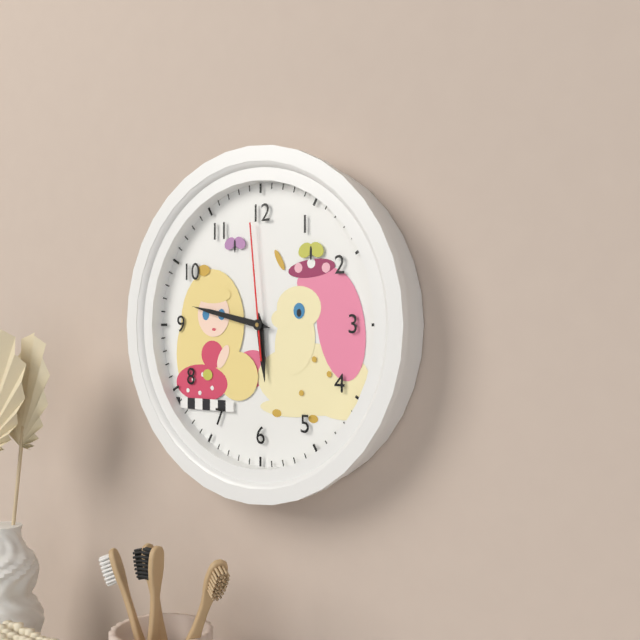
5 h 47 min 59 s
